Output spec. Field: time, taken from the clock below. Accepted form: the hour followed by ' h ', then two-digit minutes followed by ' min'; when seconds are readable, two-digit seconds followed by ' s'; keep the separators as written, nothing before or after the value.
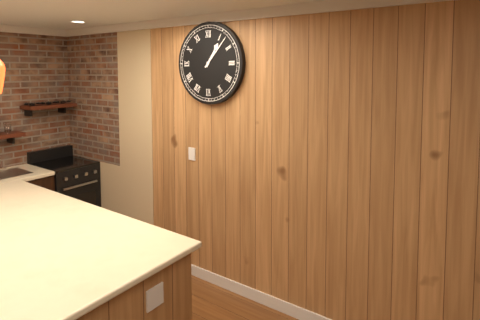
1 h 07 min
